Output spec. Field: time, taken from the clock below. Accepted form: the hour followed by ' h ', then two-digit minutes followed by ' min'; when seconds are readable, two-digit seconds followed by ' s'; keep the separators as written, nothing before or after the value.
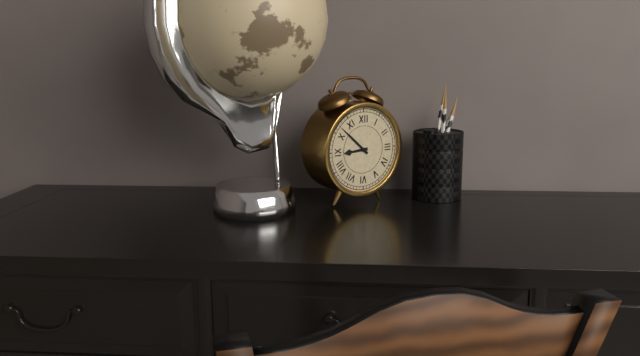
8 h 52 min
